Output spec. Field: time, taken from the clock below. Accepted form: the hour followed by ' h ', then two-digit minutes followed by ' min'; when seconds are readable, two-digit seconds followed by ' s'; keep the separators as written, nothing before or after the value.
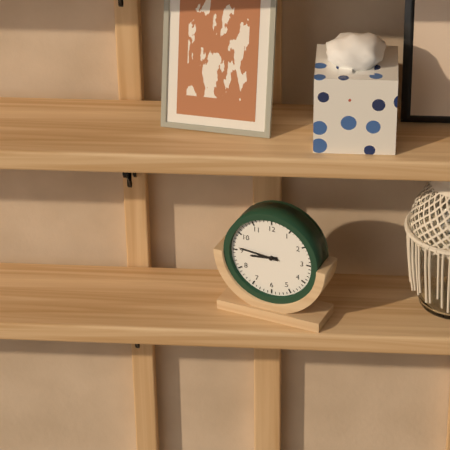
8 h 46 min
